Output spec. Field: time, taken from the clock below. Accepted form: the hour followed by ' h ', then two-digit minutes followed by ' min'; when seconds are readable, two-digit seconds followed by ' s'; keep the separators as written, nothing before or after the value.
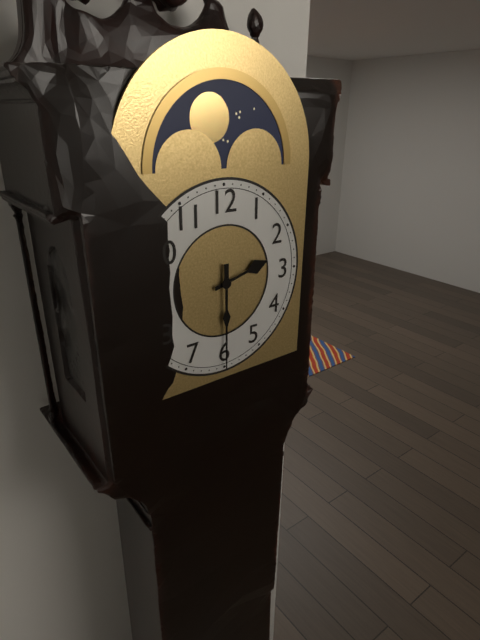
2 h 30 min
